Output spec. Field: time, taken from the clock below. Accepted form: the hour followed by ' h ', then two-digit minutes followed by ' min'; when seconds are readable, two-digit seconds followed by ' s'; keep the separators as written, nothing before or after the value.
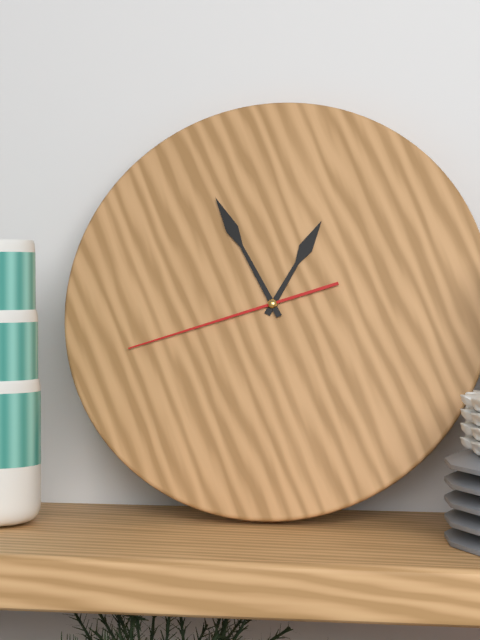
12 h 55 min 42 s
